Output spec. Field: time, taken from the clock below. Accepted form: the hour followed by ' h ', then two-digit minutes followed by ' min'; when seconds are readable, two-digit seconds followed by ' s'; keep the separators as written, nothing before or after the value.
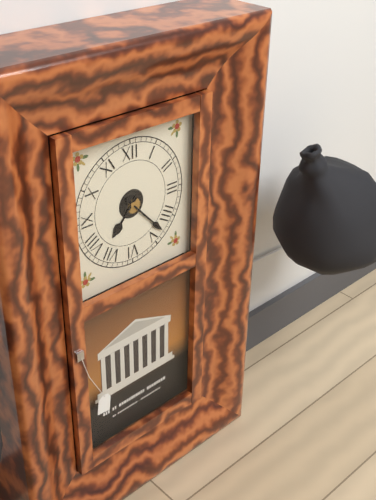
7 h 23 min
